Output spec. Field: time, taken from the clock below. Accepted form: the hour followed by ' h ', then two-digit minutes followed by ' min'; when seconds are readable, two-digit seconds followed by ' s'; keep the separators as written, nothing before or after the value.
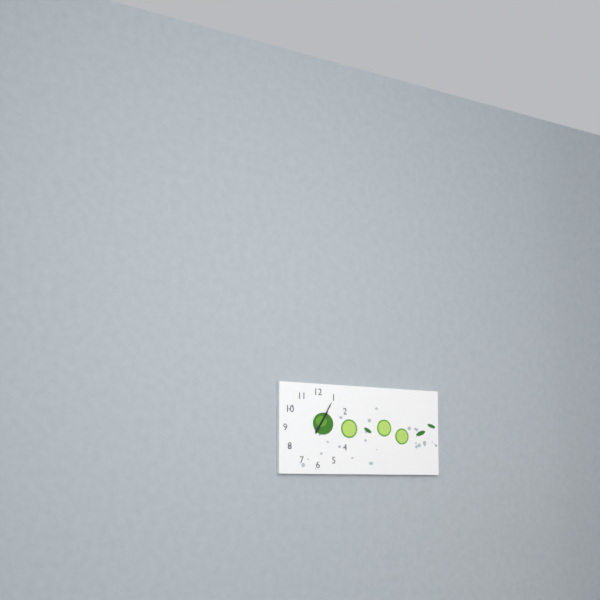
1 h 05 min
